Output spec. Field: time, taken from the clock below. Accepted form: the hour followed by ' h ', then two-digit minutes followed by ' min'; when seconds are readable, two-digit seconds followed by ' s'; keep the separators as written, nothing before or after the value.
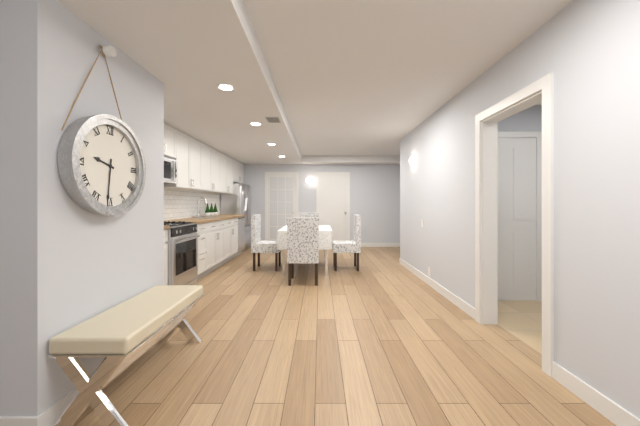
9 h 31 min
